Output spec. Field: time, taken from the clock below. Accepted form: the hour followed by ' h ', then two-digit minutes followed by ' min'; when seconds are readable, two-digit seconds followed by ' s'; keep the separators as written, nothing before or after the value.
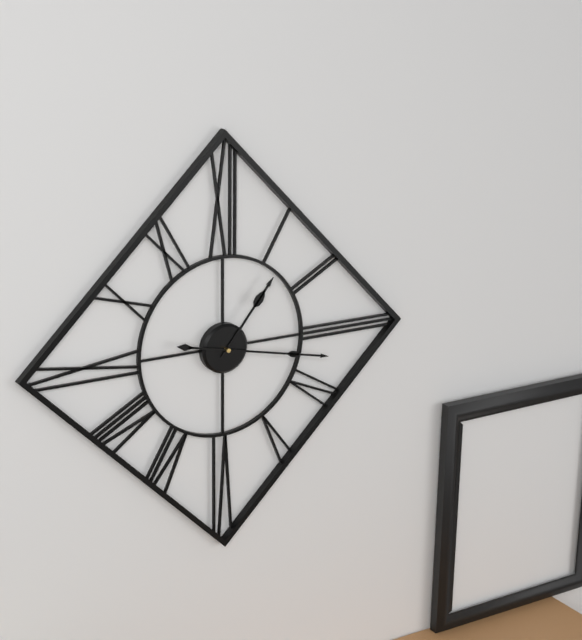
1 h 17 min
